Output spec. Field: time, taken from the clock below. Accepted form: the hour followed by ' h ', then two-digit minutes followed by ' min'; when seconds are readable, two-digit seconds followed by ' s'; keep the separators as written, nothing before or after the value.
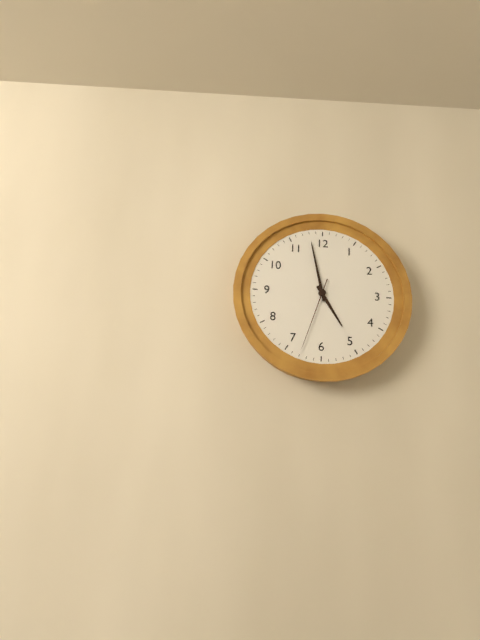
4 h 58 min 33 s
